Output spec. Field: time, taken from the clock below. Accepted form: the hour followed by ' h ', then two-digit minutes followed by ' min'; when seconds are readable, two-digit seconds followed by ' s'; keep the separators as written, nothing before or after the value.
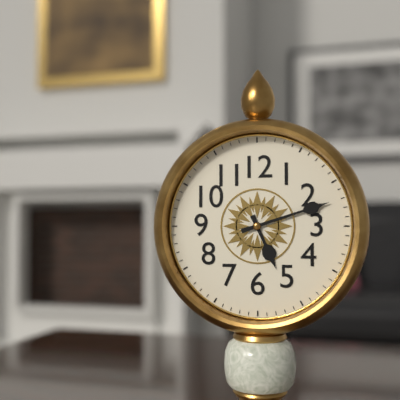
5 h 12 min
